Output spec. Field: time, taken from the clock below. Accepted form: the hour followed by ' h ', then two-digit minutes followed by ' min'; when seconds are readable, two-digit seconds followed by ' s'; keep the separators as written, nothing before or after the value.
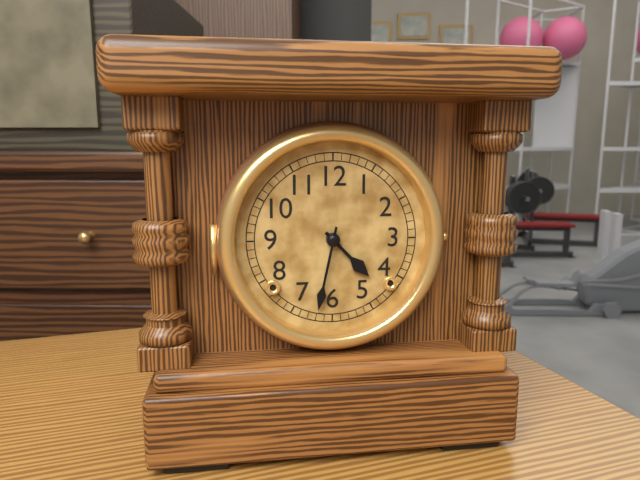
4 h 32 min
